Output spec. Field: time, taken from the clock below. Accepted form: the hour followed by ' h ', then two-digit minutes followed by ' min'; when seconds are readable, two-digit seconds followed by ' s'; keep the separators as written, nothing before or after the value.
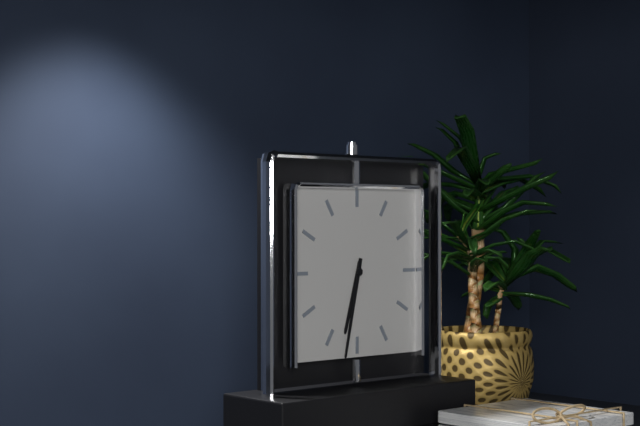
6 h 32 min
